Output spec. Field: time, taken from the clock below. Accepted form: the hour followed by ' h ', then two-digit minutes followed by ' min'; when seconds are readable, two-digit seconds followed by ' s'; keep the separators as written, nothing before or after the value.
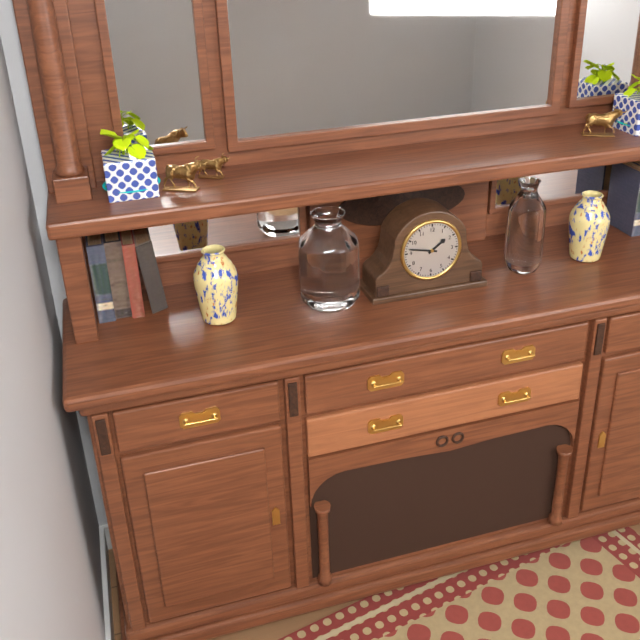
1 h 47 min
